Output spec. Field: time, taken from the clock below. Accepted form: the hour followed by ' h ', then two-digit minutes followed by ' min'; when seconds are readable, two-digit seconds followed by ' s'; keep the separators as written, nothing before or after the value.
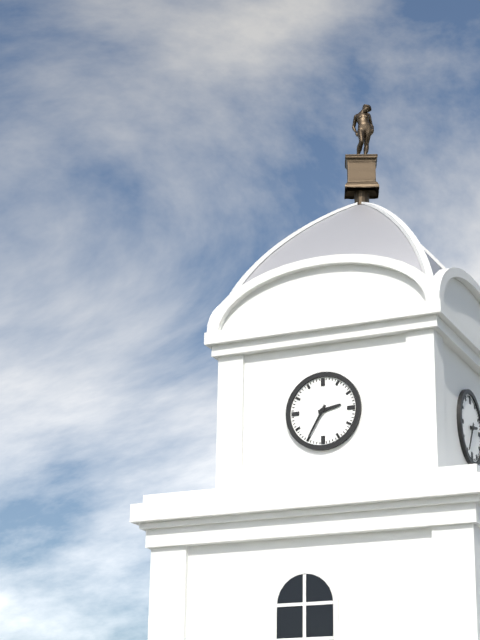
2 h 35 min
